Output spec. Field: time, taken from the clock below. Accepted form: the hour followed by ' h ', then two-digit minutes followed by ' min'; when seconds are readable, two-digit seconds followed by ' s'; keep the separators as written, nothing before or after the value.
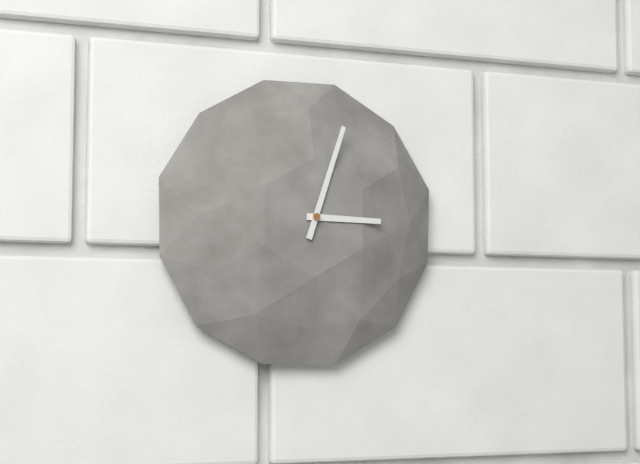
3 h 03 min
